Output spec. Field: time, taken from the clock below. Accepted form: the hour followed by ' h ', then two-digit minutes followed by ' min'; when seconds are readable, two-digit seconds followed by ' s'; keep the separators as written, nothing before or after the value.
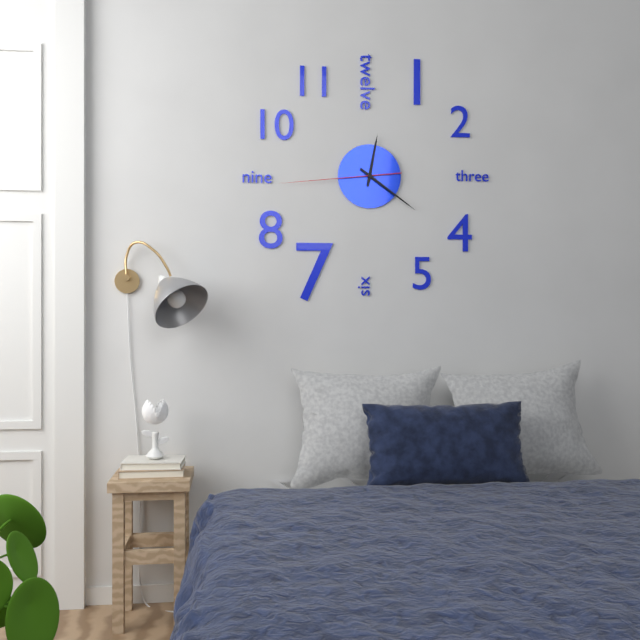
12 h 21 min 44 s
